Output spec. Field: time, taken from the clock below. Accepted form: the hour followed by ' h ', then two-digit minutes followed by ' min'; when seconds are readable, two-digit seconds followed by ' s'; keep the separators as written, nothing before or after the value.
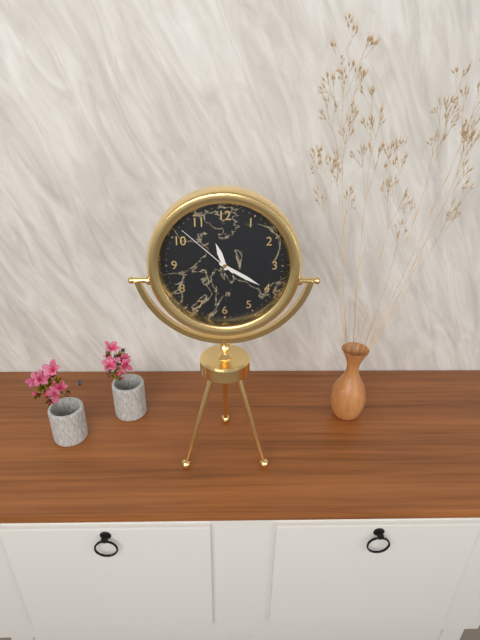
11 h 20 min 52 s
